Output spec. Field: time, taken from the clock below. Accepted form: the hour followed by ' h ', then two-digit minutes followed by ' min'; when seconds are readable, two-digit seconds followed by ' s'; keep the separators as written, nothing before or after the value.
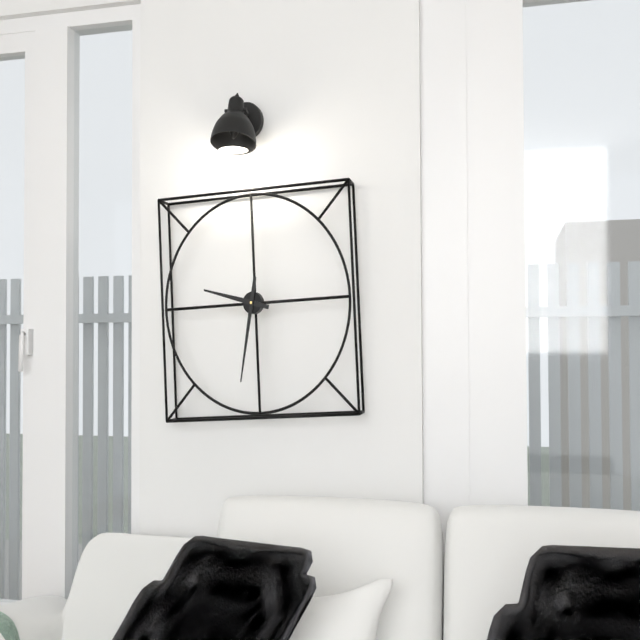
9 h 32 min
